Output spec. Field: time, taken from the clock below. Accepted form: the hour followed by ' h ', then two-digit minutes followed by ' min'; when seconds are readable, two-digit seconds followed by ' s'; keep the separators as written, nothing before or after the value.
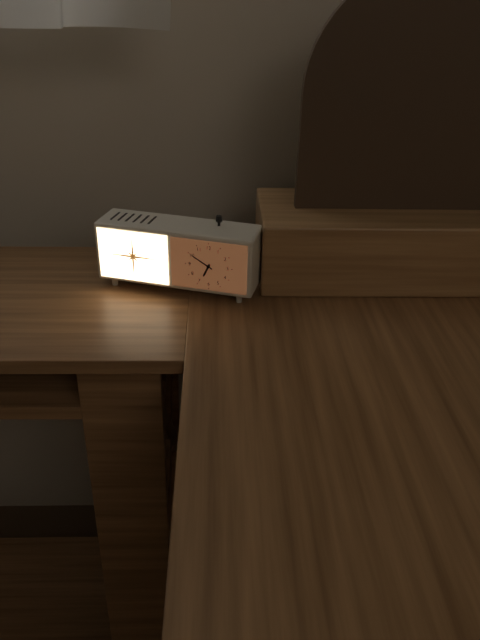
6 h 50 min
